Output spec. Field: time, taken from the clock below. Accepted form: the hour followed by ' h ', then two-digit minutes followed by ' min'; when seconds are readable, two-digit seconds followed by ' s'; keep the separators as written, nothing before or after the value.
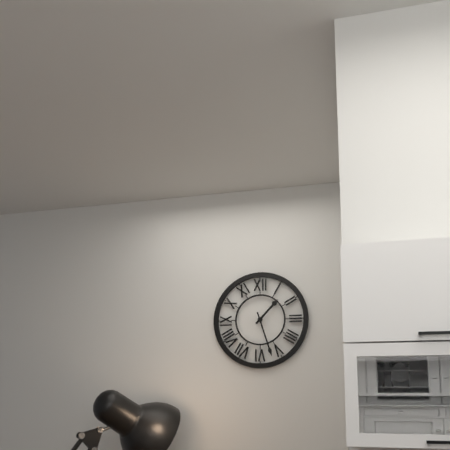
1 h 27 min
